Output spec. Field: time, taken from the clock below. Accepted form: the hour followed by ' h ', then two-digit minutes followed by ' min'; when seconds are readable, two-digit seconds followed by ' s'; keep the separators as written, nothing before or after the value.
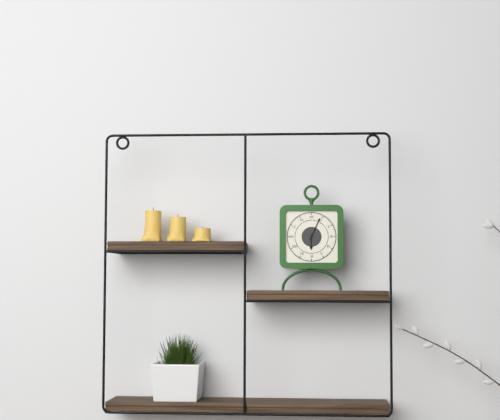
6 h 04 min
